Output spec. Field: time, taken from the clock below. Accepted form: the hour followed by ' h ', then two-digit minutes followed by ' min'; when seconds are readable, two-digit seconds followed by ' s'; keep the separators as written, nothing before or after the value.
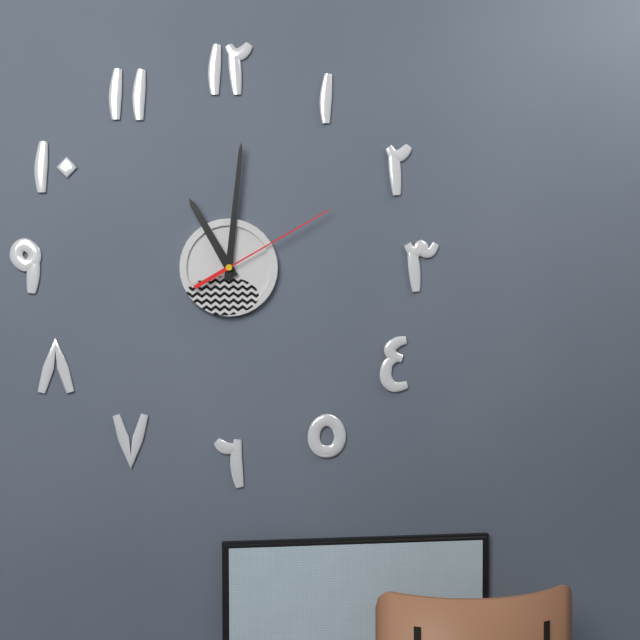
11 h 01 min 10 s
